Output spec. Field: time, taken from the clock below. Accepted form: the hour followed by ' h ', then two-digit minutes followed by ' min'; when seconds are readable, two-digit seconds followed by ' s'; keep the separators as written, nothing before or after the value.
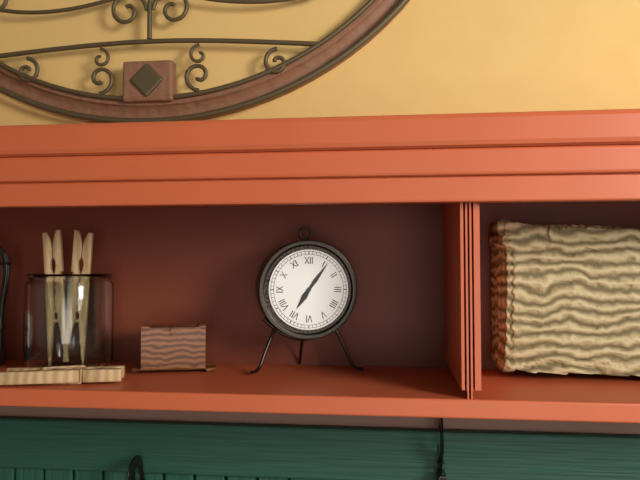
7 h 06 min
